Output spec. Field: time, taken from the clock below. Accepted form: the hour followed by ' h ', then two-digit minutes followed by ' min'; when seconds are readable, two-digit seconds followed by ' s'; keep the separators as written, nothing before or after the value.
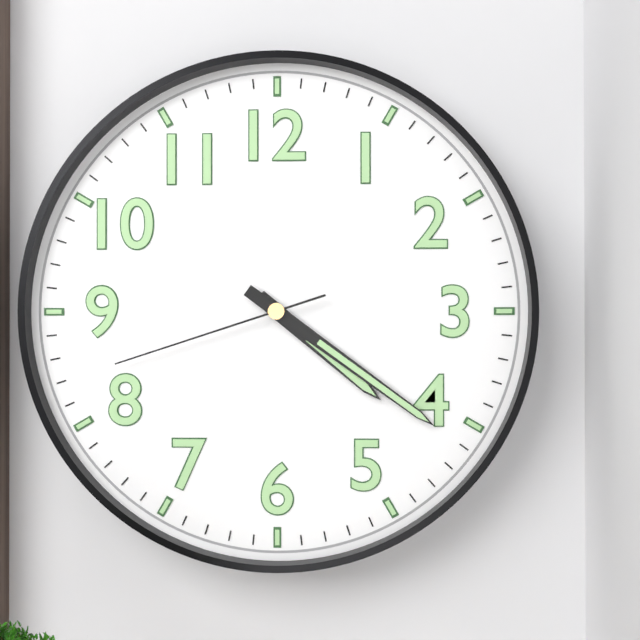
4 h 21 min 42 s
